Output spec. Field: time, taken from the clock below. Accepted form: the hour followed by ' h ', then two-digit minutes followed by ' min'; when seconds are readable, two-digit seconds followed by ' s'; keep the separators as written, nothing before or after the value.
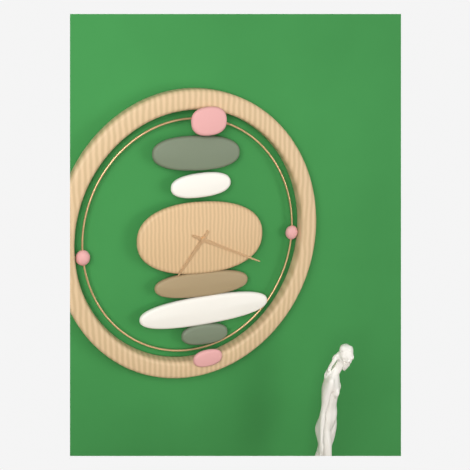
7 h 19 min
